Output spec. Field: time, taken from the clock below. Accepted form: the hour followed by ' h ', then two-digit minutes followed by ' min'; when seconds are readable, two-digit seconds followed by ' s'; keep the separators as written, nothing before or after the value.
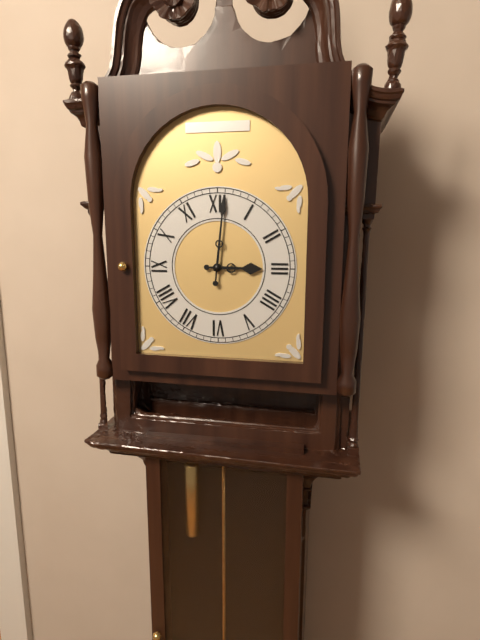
3 h 01 min
